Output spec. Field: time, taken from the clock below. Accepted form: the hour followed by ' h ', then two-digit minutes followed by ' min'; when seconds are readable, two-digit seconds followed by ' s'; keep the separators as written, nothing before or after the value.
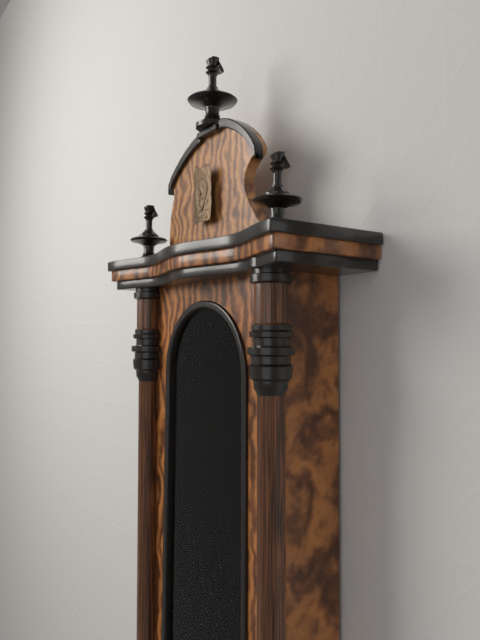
9 h 19 min
